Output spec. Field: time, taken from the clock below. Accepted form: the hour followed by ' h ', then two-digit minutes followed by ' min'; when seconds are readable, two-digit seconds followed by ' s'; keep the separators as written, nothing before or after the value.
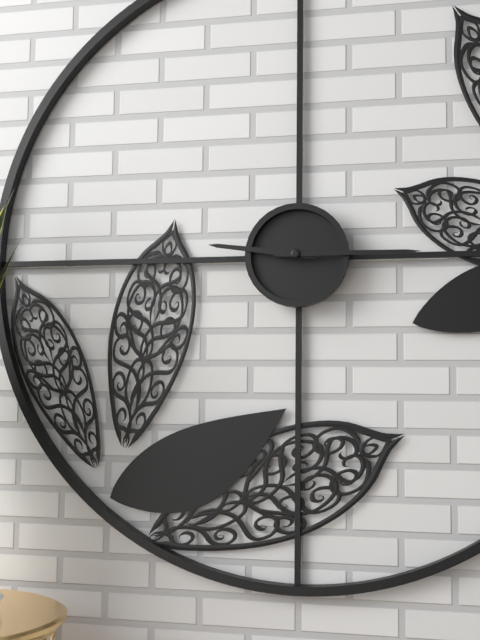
9 h 15 min
